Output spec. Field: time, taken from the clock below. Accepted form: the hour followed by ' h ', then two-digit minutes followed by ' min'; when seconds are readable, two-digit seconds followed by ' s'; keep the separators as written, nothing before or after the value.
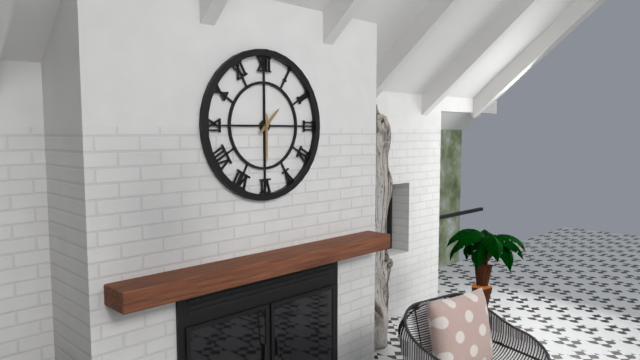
1 h 30 min
